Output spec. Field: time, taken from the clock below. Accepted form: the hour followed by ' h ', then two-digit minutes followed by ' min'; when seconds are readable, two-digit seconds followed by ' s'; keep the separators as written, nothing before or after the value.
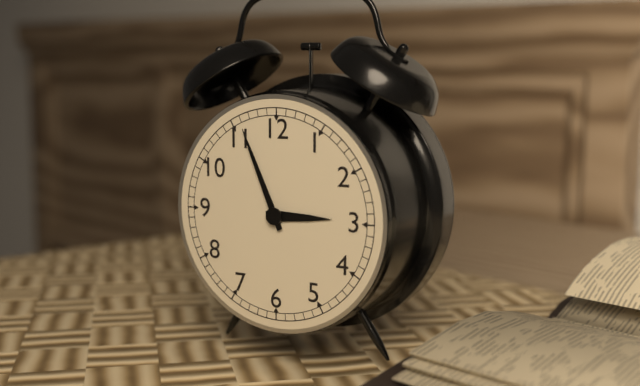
2 h 56 min
